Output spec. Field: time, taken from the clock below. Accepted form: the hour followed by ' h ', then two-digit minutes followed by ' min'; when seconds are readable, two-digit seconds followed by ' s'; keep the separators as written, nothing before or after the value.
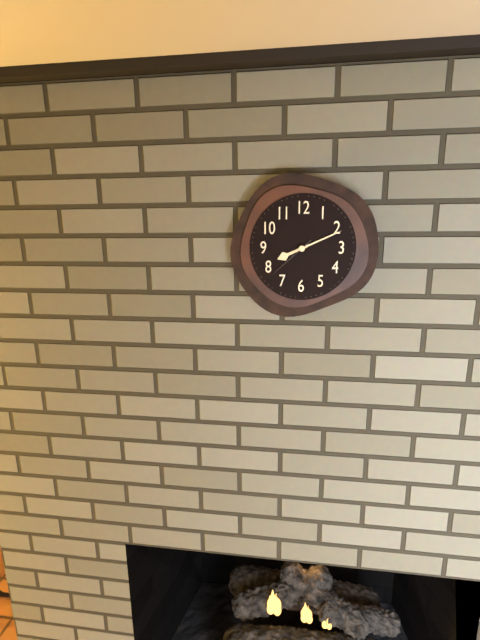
8 h 11 min 38 s
